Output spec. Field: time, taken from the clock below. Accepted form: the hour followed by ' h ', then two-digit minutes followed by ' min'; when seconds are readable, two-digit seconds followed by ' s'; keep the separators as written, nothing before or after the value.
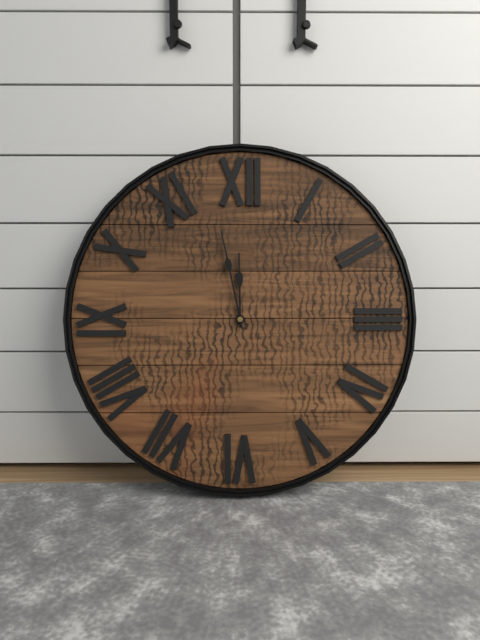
11 h 58 min
